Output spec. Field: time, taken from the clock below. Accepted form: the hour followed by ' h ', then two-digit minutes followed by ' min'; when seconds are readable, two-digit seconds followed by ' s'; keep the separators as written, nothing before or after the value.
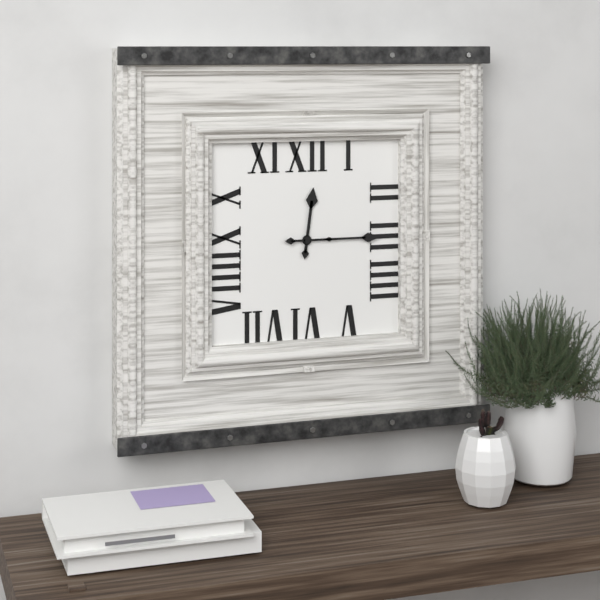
12 h 15 min
